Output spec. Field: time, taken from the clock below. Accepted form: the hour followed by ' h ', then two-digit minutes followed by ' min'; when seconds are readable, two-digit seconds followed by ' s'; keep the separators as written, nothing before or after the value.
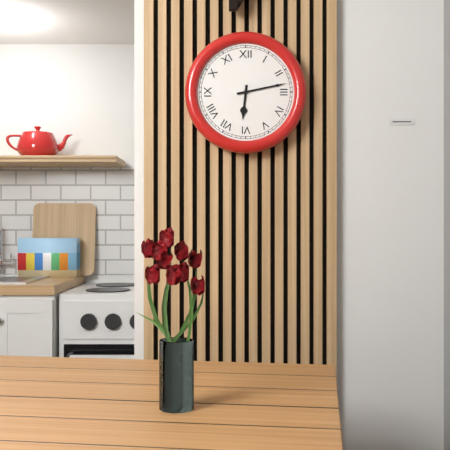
6 h 13 min
